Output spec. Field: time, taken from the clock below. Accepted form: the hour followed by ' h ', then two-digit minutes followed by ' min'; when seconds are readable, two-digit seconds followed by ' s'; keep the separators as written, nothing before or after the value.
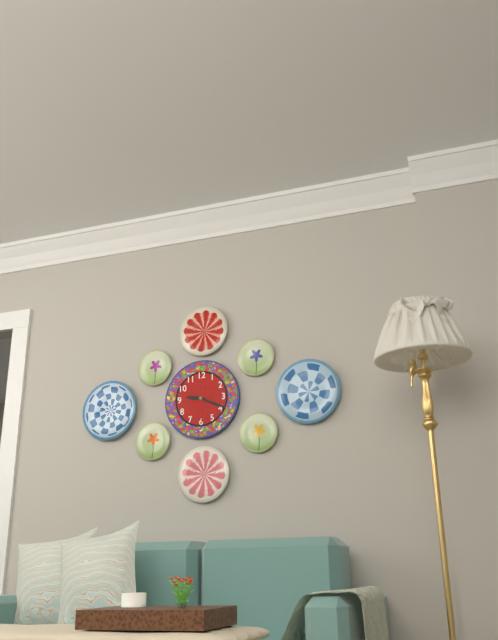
9 h 19 min
